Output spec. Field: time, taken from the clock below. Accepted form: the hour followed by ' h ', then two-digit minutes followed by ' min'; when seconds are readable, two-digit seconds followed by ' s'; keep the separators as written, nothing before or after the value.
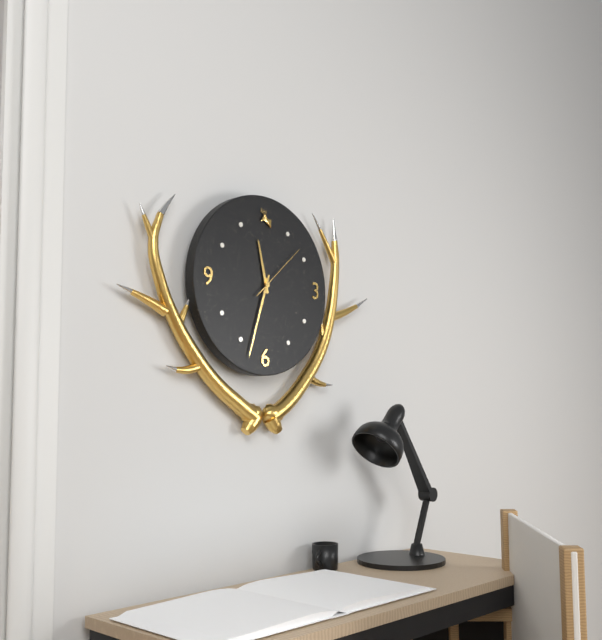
11 h 33 min 08 s
